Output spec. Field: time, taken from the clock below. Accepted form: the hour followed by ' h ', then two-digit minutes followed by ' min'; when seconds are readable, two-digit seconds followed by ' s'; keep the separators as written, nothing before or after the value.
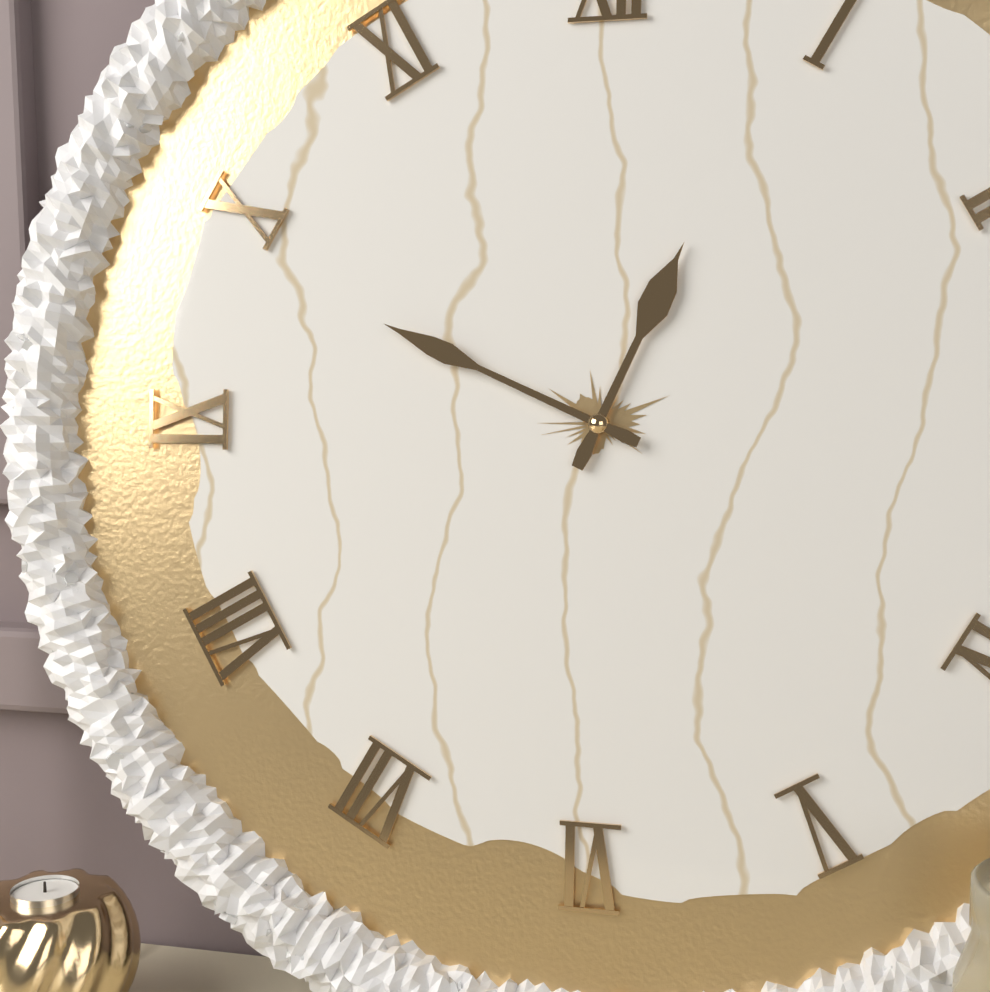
12 h 49 min
